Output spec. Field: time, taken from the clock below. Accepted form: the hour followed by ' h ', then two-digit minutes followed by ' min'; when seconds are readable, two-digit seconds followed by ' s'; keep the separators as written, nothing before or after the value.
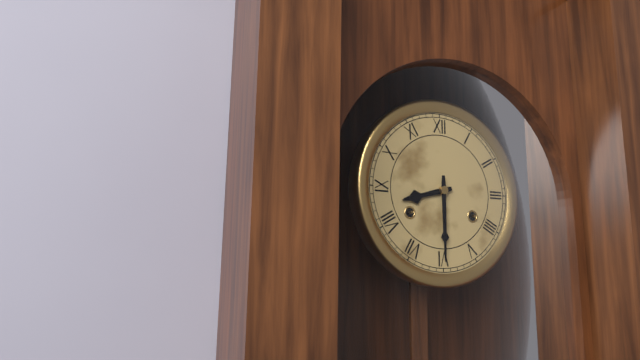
8 h 30 min
